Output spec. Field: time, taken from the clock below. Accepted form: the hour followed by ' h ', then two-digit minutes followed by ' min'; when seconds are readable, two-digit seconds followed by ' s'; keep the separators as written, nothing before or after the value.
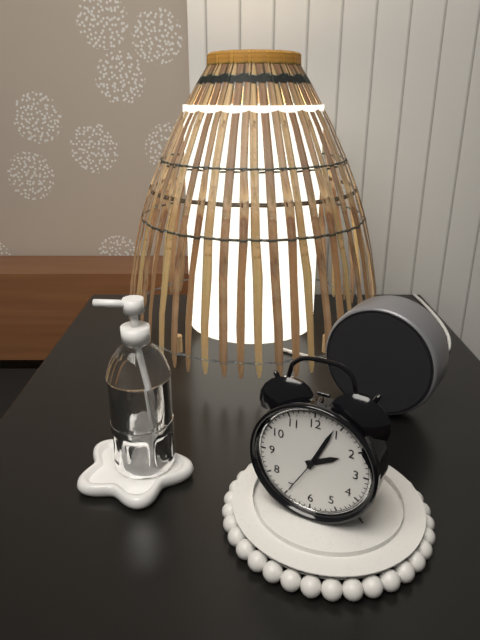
2 h 04 min
